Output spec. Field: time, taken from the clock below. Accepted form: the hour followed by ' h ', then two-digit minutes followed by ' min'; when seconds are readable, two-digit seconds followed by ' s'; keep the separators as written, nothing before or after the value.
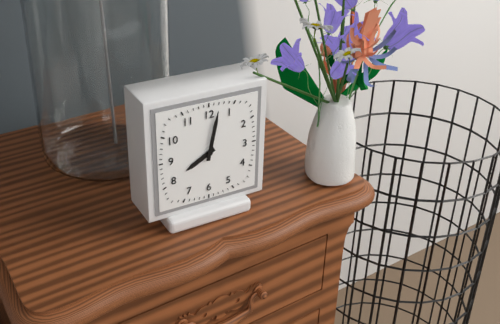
8 h 02 min
